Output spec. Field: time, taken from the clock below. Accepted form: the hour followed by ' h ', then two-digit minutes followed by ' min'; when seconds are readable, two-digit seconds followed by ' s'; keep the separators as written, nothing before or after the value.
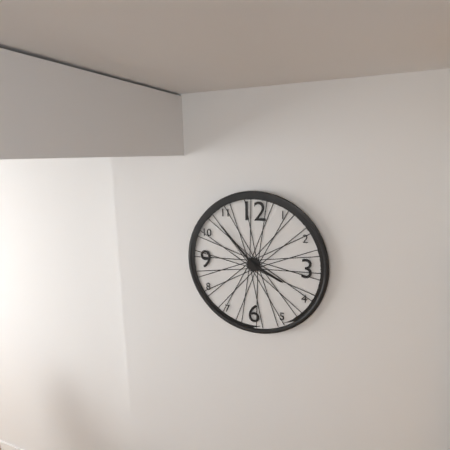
3 h 53 min
